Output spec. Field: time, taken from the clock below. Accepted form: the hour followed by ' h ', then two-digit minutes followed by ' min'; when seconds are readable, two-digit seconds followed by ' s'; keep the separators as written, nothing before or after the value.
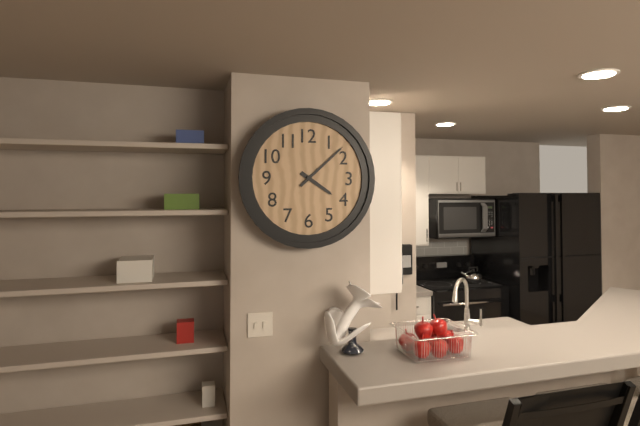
4 h 08 min
